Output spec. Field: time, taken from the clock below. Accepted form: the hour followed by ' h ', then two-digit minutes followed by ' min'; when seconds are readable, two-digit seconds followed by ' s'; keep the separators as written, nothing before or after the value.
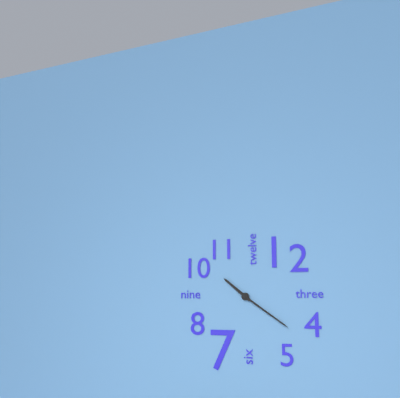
10 h 21 min
